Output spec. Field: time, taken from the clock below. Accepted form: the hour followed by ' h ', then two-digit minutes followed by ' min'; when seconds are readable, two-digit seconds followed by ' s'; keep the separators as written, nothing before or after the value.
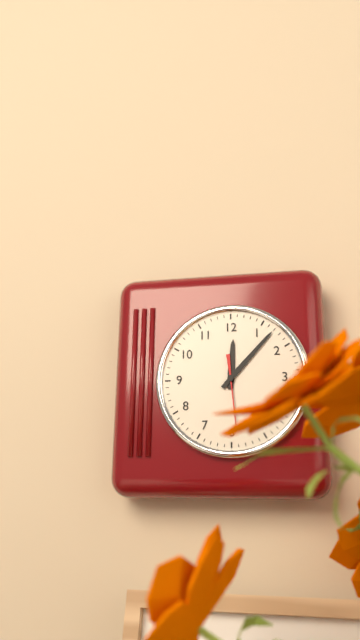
12 h 07 min 29 s
